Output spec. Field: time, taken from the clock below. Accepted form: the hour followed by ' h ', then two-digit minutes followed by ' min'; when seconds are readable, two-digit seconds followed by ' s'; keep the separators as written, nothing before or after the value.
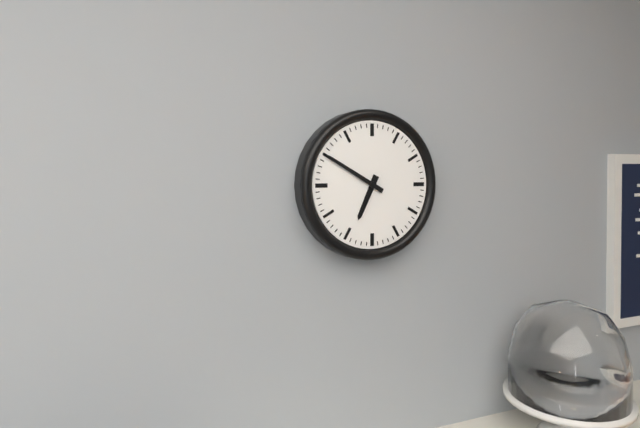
6 h 50 min
